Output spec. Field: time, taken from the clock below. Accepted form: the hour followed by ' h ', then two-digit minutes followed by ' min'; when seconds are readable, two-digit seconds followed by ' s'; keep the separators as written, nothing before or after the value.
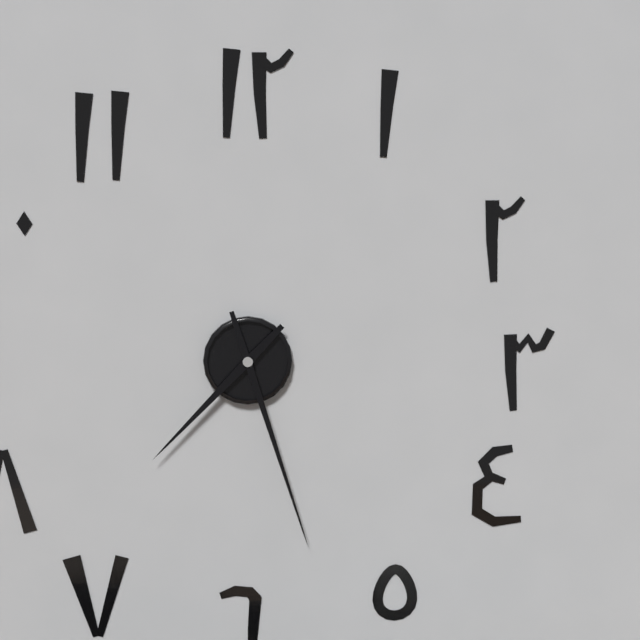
7 h 27 min
